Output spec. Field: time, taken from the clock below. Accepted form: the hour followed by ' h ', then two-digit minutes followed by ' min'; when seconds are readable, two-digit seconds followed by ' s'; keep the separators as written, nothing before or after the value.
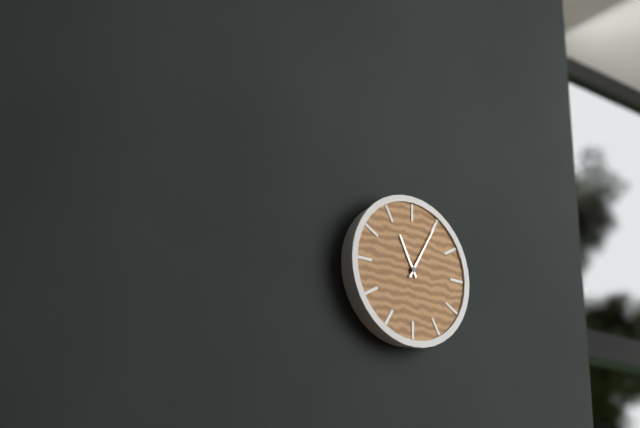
11 h 05 min
